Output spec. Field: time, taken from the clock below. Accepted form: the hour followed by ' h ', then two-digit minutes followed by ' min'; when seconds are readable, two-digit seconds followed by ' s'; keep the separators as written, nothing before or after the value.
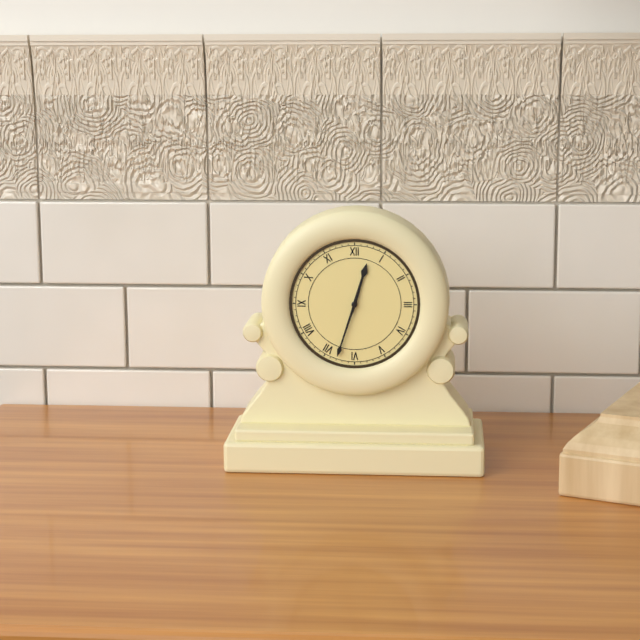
12 h 33 min
